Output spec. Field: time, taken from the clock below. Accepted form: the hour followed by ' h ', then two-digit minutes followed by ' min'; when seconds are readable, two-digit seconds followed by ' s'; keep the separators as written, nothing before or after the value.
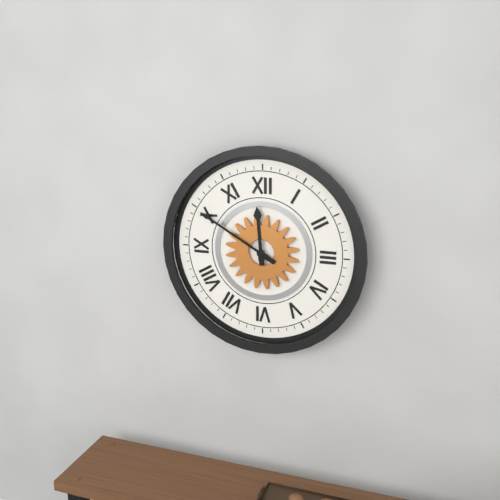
11 h 50 min
